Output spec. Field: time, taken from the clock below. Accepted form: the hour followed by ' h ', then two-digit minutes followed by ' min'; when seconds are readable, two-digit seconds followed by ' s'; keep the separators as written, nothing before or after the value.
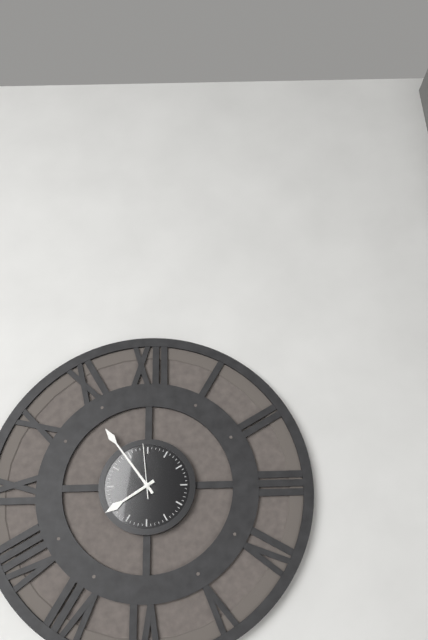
7 h 54 min 59 s
